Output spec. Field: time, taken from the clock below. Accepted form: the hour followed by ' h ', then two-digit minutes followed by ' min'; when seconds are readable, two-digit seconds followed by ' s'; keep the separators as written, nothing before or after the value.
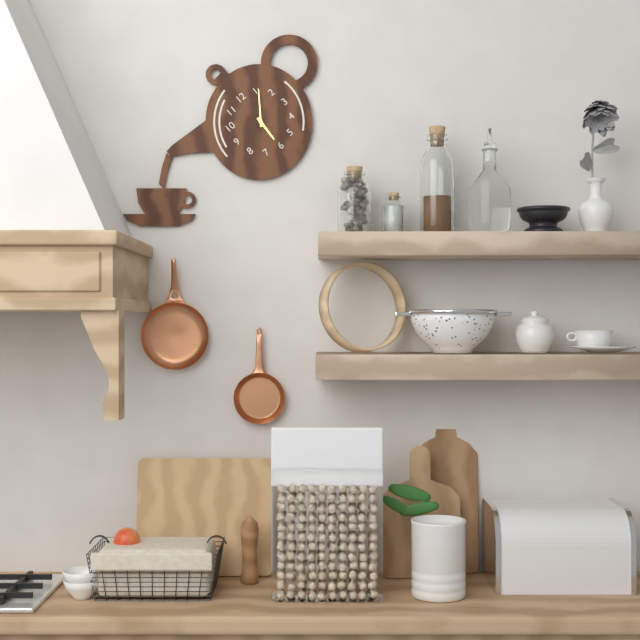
6 h 06 min
